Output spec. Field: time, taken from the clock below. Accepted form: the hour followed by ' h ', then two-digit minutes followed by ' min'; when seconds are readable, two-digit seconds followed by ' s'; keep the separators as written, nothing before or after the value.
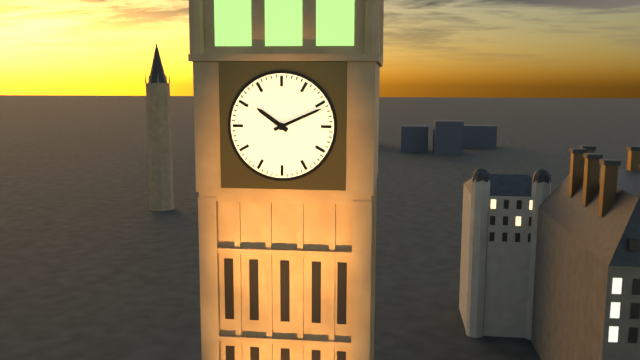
10 h 11 min
